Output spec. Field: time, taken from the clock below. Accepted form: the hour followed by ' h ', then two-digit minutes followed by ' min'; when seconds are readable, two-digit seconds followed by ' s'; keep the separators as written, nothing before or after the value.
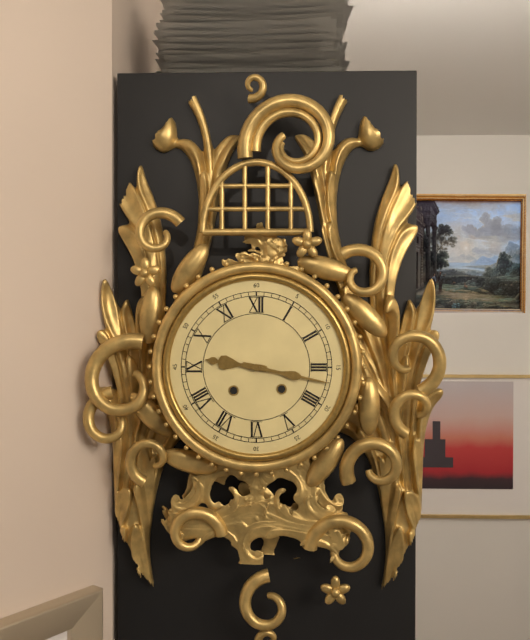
9 h 17 min
